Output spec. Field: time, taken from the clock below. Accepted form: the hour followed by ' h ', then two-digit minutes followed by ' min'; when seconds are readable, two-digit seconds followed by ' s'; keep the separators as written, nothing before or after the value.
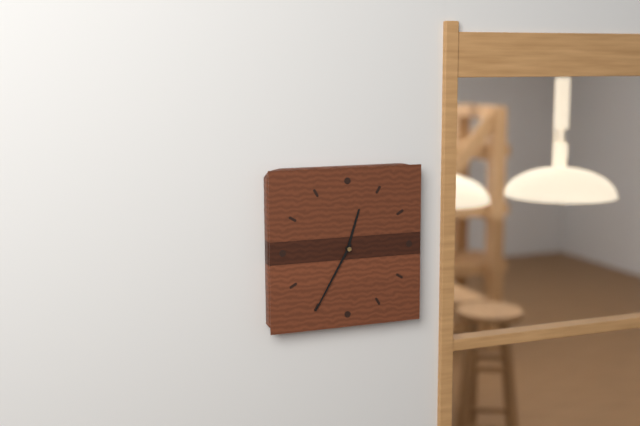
12 h 35 min
